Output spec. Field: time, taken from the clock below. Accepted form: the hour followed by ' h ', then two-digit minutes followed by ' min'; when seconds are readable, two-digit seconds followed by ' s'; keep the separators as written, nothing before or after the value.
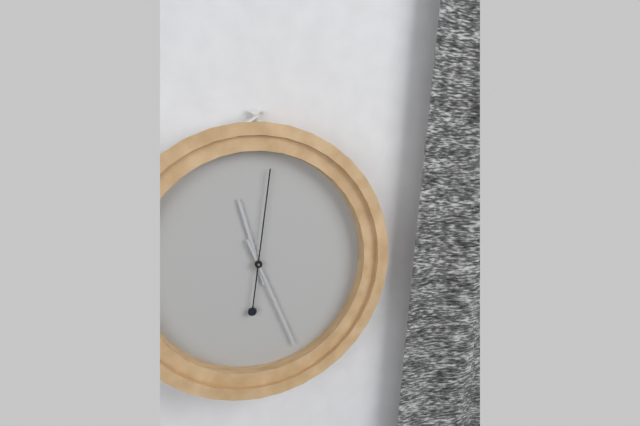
11 h 26 min 01 s
